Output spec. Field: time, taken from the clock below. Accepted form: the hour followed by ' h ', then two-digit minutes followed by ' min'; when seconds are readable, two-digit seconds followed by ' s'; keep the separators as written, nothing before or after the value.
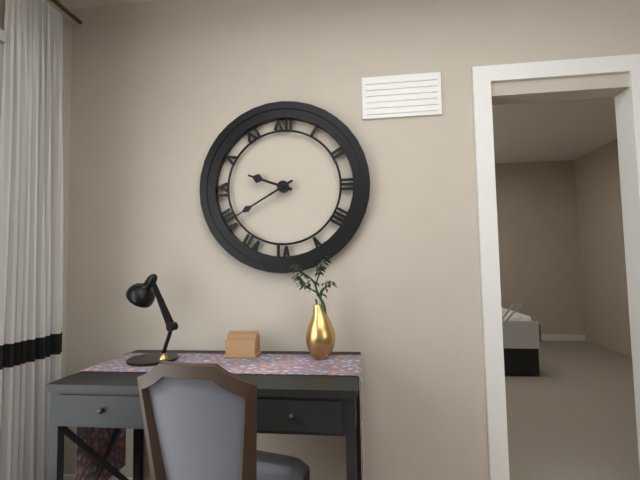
9 h 40 min
